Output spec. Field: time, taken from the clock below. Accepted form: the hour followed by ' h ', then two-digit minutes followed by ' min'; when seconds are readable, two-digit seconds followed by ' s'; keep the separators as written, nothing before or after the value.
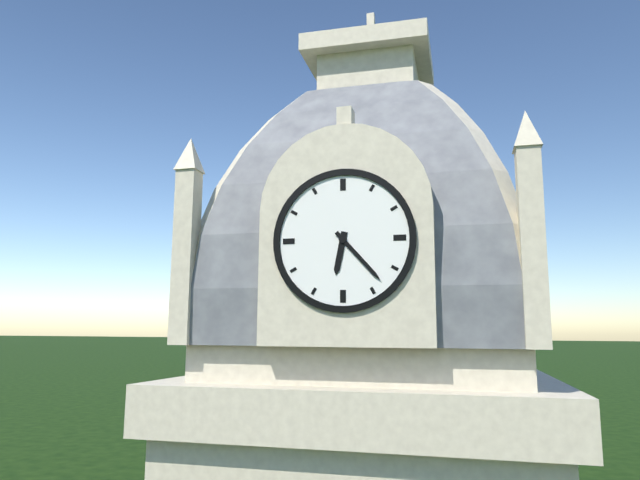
6 h 23 min
